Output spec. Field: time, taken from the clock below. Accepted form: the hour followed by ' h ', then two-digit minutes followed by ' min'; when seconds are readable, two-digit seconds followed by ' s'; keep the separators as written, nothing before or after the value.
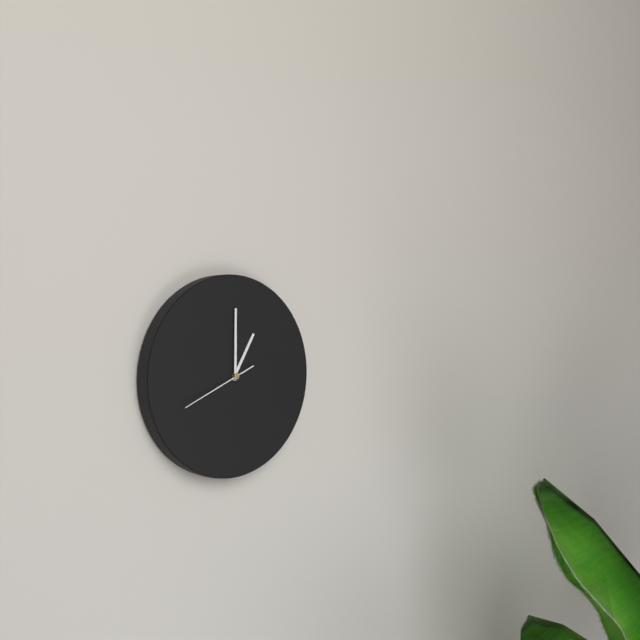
1 h 00 min 41 s
